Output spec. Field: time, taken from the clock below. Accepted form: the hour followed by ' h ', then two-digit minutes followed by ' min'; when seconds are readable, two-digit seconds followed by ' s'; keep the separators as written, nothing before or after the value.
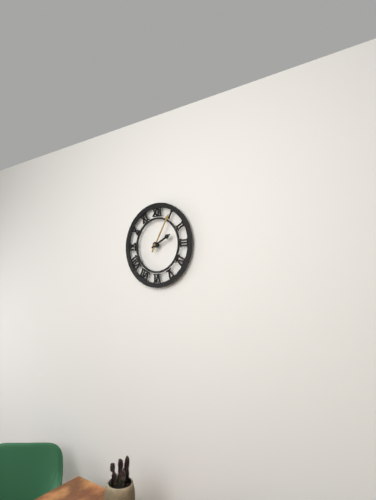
2 h 05 min
